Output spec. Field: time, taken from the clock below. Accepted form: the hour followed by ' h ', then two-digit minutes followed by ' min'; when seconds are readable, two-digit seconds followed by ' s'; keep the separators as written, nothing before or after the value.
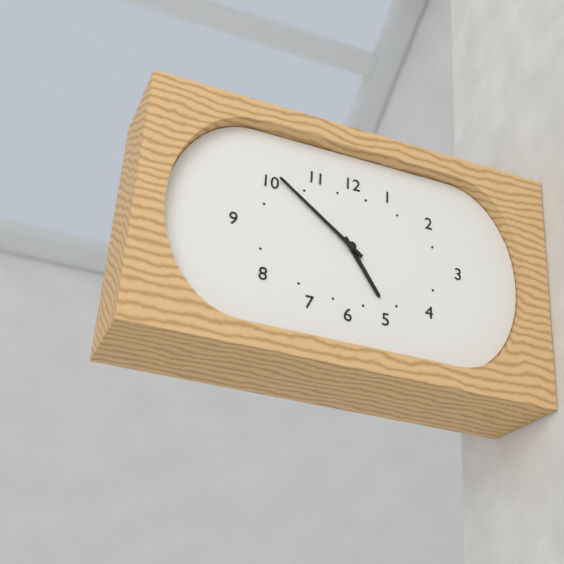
4 h 51 min
